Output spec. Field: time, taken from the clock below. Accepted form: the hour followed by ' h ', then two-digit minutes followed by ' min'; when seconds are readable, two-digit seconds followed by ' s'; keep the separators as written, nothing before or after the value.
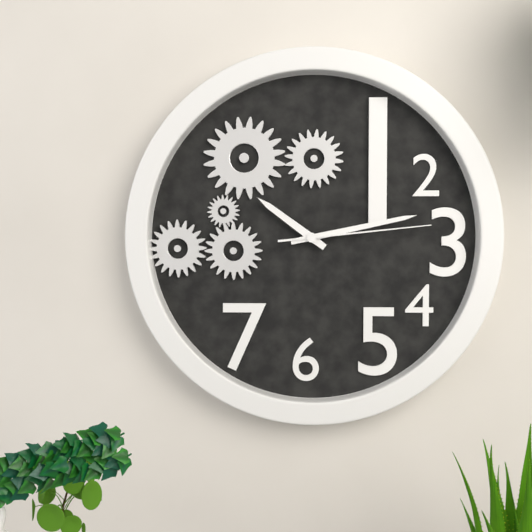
10 h 13 min 14 s
